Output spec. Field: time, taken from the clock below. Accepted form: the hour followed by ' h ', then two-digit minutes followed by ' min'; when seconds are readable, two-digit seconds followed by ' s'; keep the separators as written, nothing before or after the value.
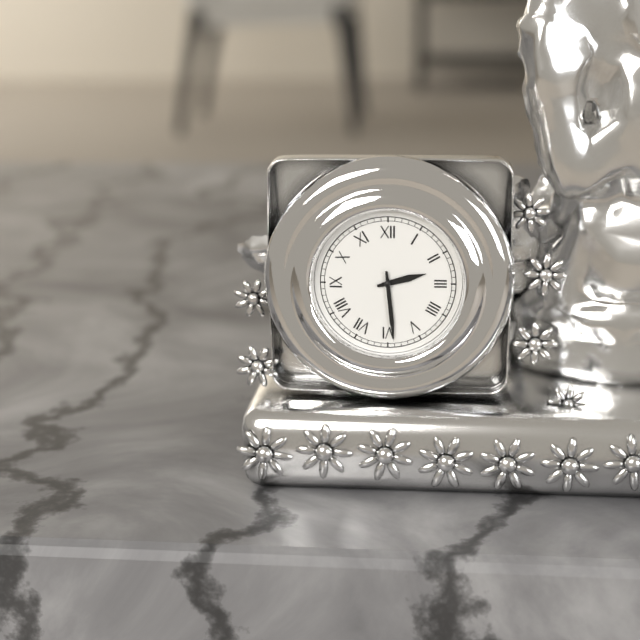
2 h 29 min
